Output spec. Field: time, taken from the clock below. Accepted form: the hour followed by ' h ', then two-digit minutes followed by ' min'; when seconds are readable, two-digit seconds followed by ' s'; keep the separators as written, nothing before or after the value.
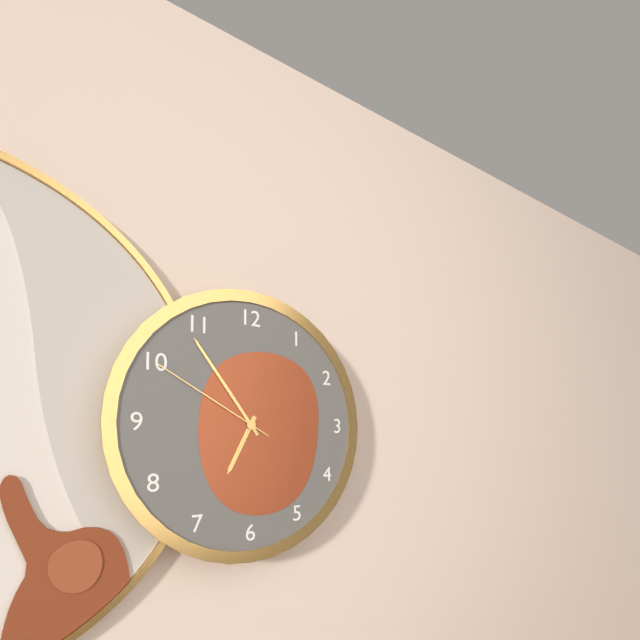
6 h 54 min 50 s
